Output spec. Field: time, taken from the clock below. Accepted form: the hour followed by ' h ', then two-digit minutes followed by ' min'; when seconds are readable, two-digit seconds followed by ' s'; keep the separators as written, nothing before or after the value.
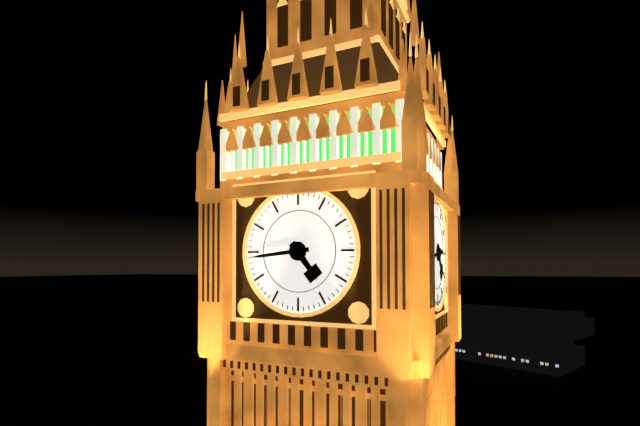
4 h 44 min
